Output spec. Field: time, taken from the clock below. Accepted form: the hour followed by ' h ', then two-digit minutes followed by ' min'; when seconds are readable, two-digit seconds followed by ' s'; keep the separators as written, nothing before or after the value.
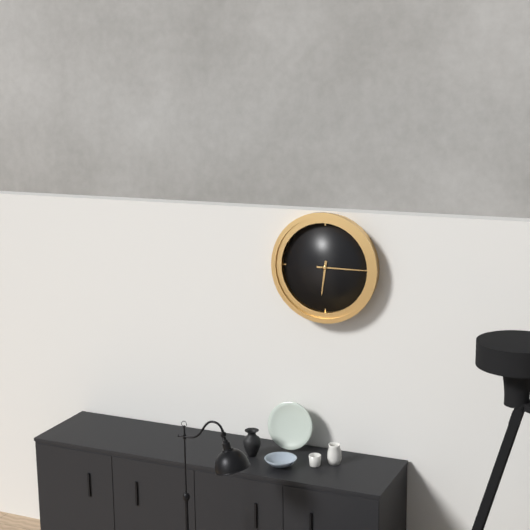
6 h 15 min
